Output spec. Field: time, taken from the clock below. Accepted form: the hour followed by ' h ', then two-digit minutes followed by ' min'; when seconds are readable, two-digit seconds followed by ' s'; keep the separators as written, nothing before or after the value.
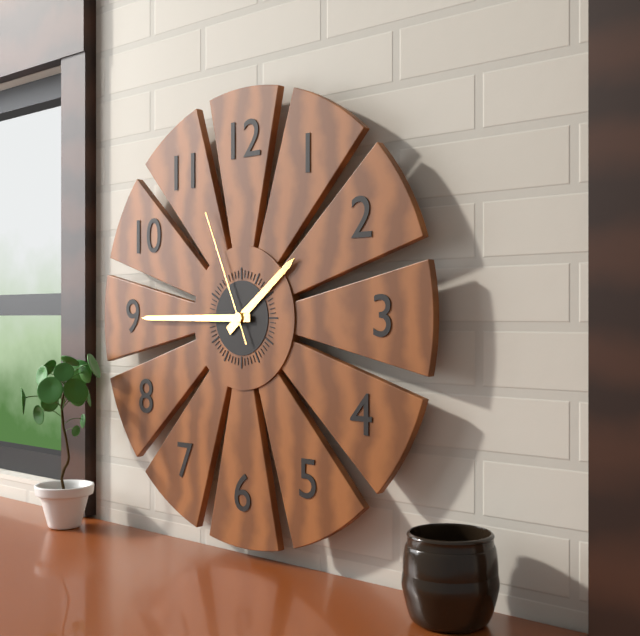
1 h 45 min 56 s
